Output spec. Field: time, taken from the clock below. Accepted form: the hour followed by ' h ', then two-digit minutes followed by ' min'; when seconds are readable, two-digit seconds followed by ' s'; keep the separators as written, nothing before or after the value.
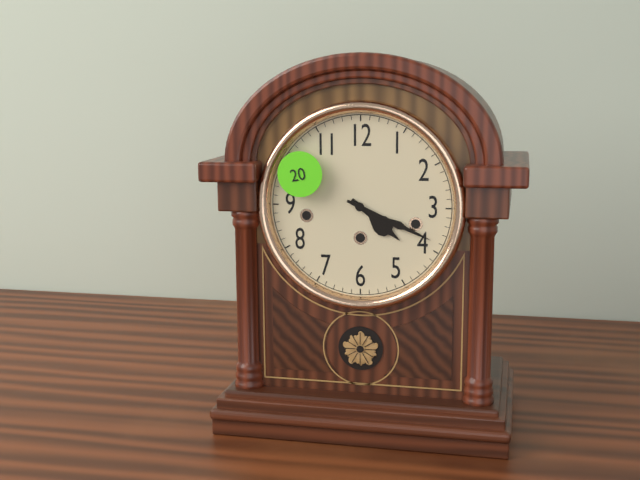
4 h 19 min
